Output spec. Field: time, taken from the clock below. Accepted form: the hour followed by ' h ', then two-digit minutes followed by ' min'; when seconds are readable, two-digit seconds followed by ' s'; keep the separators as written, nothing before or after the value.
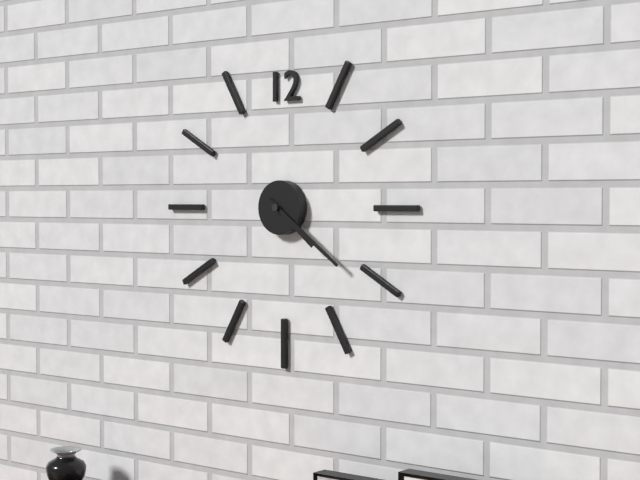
4 h 21 min
